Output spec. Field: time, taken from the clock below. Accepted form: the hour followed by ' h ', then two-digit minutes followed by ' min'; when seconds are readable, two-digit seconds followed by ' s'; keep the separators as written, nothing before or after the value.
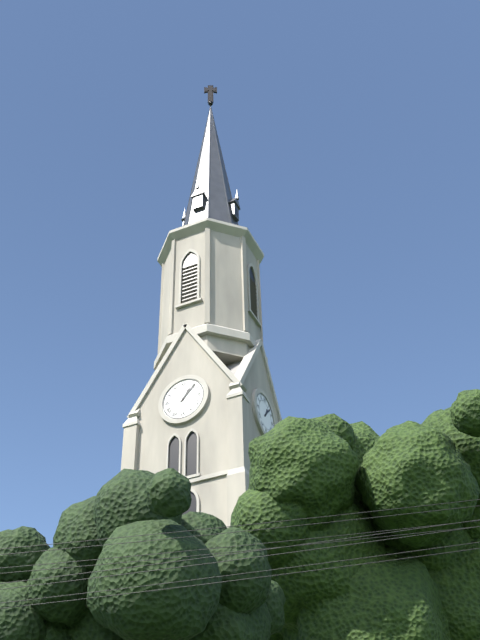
1 h 07 min
